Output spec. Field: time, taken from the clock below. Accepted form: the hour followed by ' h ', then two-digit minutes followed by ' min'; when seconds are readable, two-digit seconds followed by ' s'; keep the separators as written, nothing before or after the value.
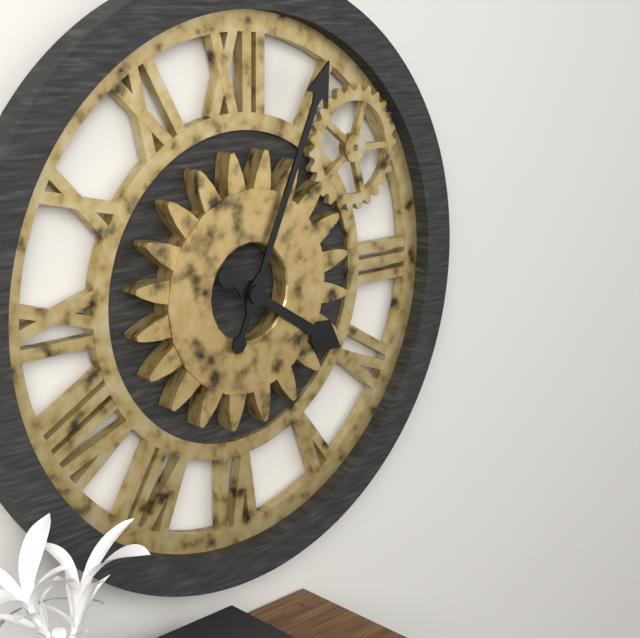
4 h 04 min
